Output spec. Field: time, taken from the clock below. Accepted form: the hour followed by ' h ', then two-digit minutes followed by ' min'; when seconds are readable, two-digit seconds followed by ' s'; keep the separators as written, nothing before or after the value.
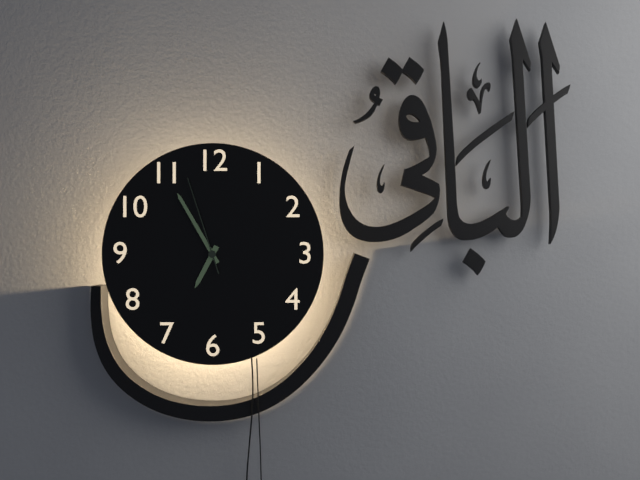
6 h 55 min 57 s
